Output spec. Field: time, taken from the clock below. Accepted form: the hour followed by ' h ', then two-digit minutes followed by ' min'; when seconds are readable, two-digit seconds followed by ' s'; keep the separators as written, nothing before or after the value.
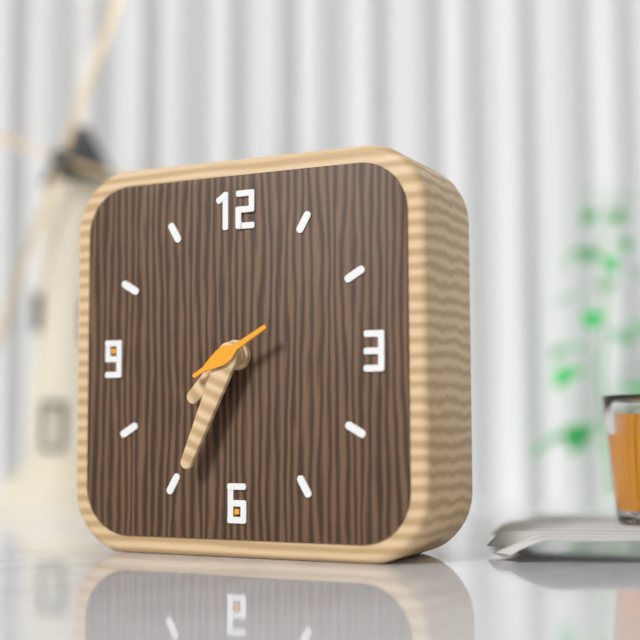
7 h 34 min 10 s
